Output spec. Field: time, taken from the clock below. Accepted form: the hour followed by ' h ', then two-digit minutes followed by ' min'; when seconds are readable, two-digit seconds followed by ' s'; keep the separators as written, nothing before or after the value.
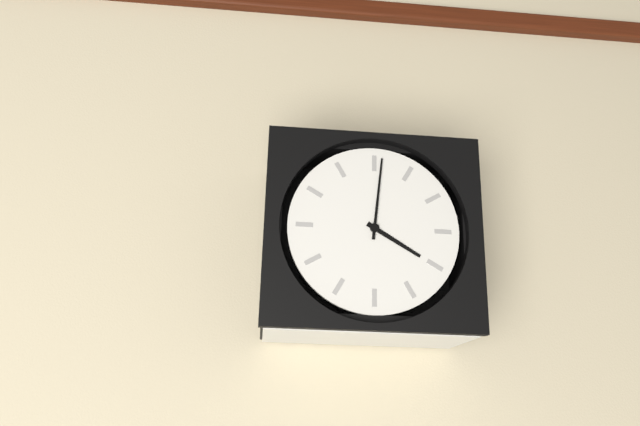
4 h 01 min
